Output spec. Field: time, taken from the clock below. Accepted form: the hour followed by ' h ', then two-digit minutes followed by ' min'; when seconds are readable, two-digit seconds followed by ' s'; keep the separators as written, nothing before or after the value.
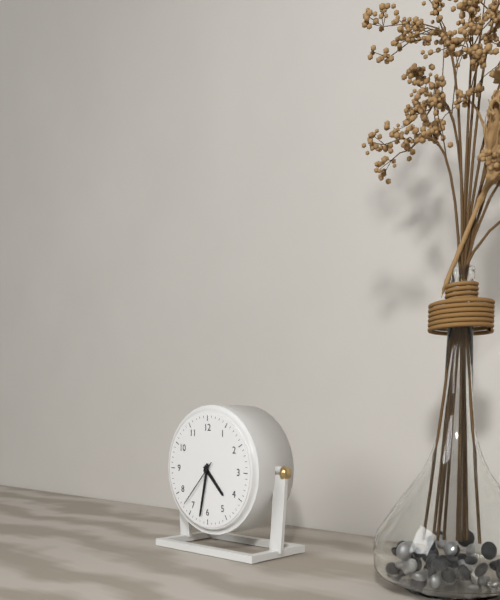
4 h 32 min 37 s
